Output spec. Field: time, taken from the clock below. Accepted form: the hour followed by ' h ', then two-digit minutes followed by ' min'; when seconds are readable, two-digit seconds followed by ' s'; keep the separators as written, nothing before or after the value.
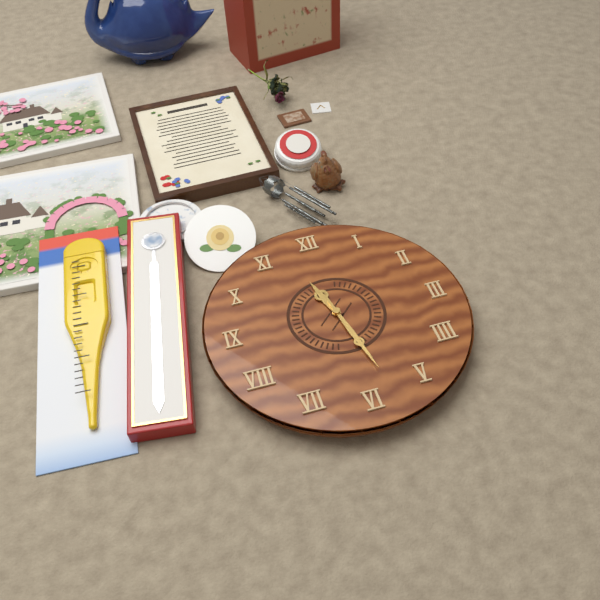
11 h 28 min
